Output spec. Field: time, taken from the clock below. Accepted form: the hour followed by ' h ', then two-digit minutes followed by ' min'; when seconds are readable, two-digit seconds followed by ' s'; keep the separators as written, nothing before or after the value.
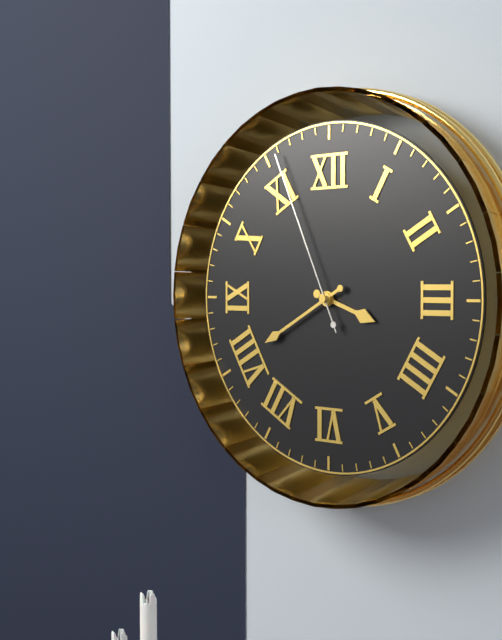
3 h 40 min 56 s
